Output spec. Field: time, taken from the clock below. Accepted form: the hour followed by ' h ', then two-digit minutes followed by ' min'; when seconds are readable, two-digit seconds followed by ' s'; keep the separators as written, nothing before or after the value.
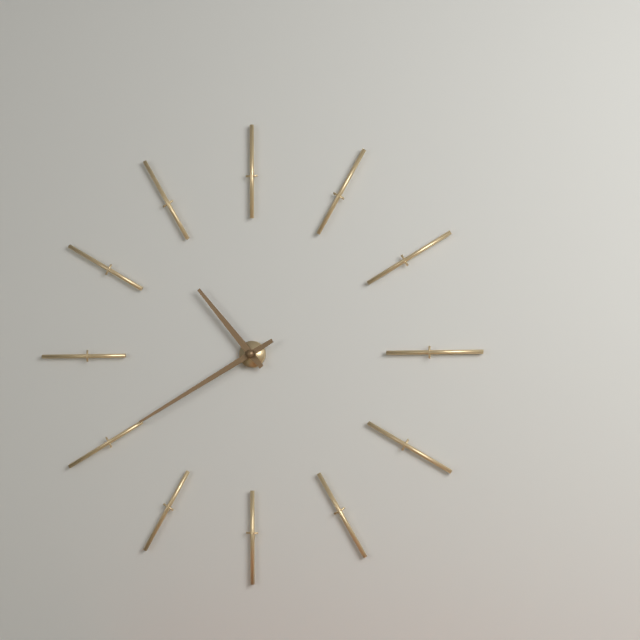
10 h 40 min
